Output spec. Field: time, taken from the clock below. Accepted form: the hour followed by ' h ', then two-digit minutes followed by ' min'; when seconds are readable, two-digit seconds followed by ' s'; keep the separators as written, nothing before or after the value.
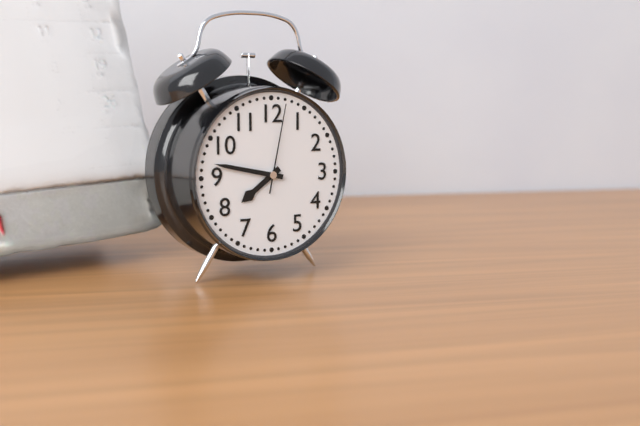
7 h 47 min 02 s
